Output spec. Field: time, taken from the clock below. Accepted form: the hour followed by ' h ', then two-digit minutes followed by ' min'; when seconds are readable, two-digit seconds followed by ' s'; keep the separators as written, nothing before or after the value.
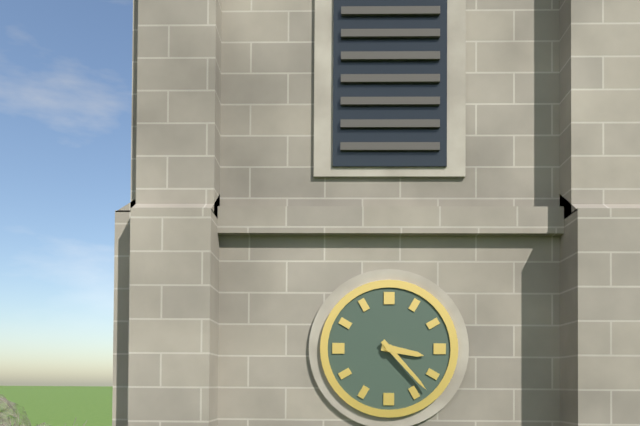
3 h 23 min
